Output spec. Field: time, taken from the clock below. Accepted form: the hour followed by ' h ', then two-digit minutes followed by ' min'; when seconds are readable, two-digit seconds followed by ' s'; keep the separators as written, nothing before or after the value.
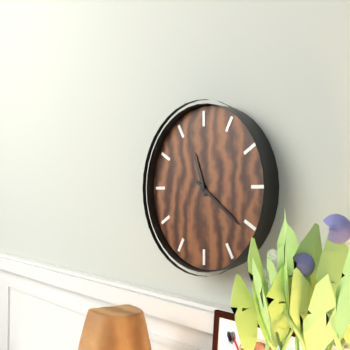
11 h 21 min
